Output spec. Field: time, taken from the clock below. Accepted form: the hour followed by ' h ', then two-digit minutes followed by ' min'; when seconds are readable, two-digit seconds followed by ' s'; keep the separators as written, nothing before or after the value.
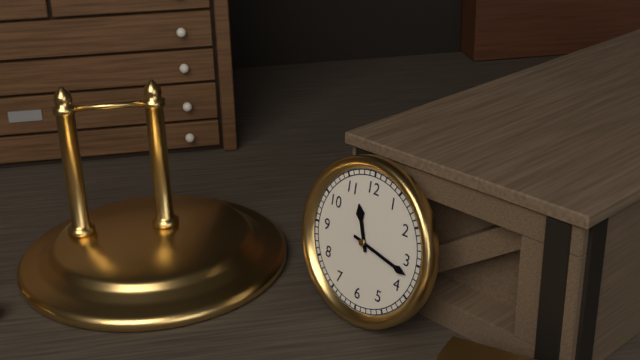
11 h 17 min
